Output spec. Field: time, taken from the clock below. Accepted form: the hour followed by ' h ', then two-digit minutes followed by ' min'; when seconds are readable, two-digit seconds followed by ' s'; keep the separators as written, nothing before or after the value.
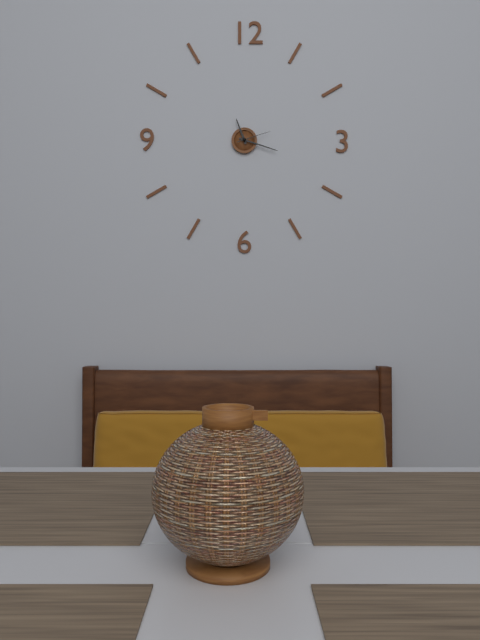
11 h 18 min
